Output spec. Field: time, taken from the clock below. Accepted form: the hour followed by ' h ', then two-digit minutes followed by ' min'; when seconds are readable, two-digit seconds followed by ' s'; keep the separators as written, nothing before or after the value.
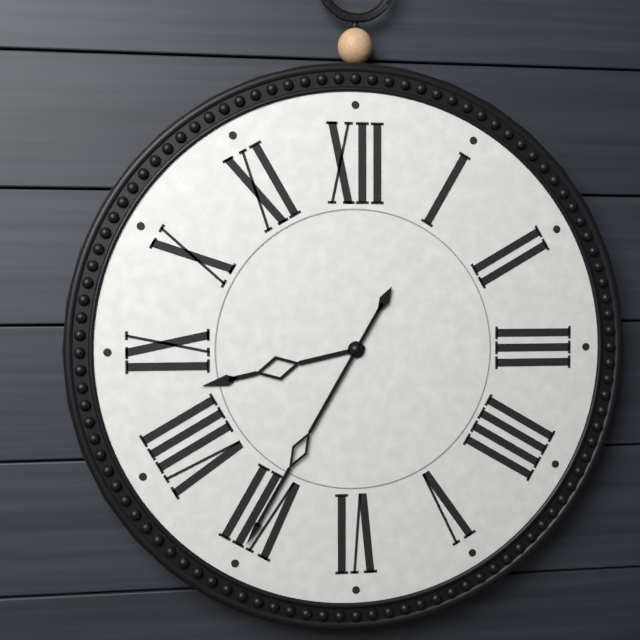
8 h 35 min
